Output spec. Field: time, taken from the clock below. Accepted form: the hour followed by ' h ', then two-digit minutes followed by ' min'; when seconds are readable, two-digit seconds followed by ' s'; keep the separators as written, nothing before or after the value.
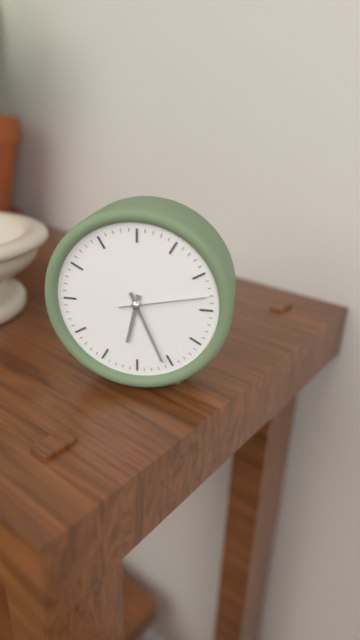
6 h 26 min 13 s
